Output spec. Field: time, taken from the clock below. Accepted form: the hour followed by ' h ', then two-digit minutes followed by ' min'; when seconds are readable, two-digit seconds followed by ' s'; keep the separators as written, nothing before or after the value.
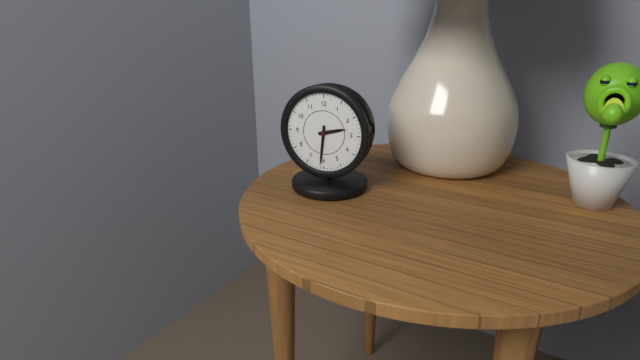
2 h 31 min
